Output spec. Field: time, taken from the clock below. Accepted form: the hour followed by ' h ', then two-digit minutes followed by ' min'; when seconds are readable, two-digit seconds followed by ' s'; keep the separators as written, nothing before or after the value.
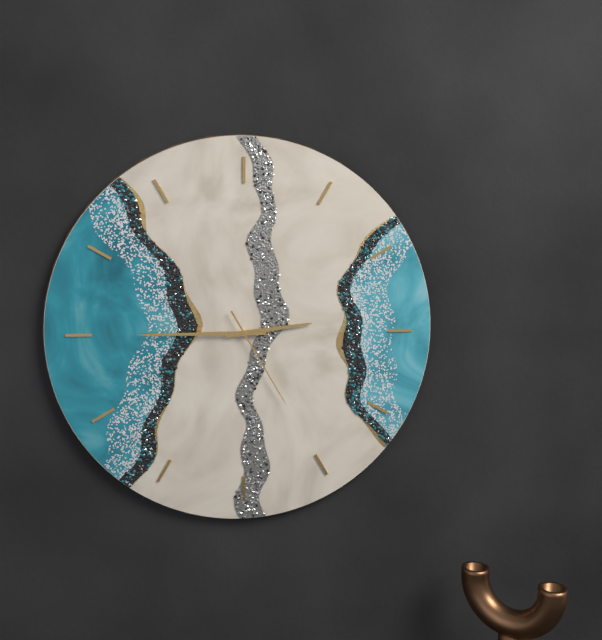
2 h 45 min 25 s
